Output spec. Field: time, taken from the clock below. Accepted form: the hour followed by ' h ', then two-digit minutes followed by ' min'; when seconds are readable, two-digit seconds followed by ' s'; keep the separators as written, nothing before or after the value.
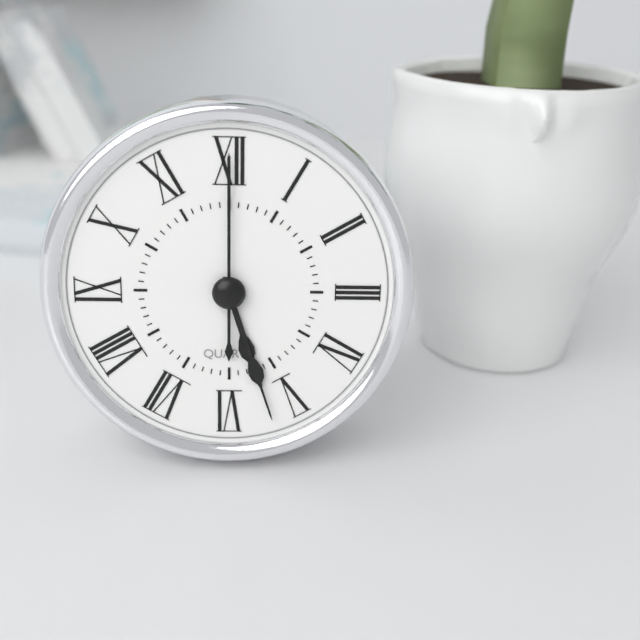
5 h 27 min 00 s
